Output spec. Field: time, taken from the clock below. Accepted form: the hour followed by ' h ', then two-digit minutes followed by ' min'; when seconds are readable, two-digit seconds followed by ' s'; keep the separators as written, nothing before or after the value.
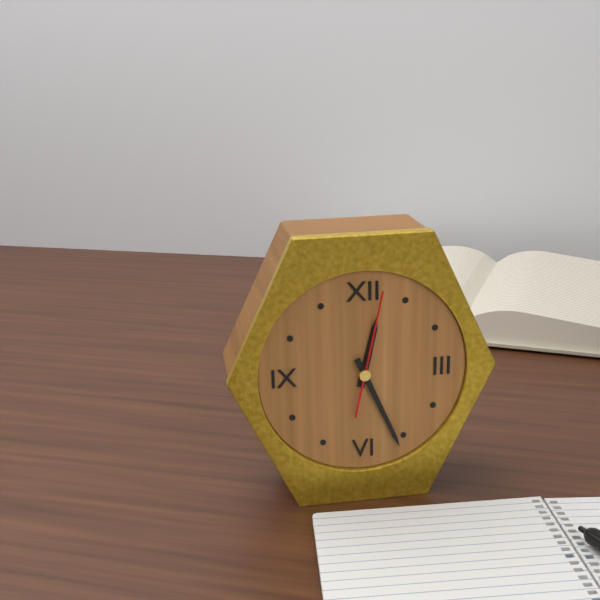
12 h 26 min 02 s
